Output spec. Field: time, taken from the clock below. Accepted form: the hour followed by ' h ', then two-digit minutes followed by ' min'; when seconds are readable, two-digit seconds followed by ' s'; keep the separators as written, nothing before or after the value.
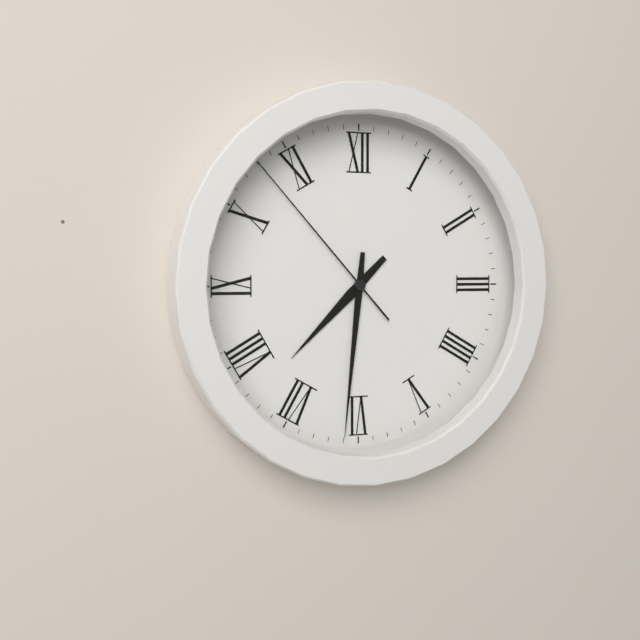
7 h 31 min 53 s
